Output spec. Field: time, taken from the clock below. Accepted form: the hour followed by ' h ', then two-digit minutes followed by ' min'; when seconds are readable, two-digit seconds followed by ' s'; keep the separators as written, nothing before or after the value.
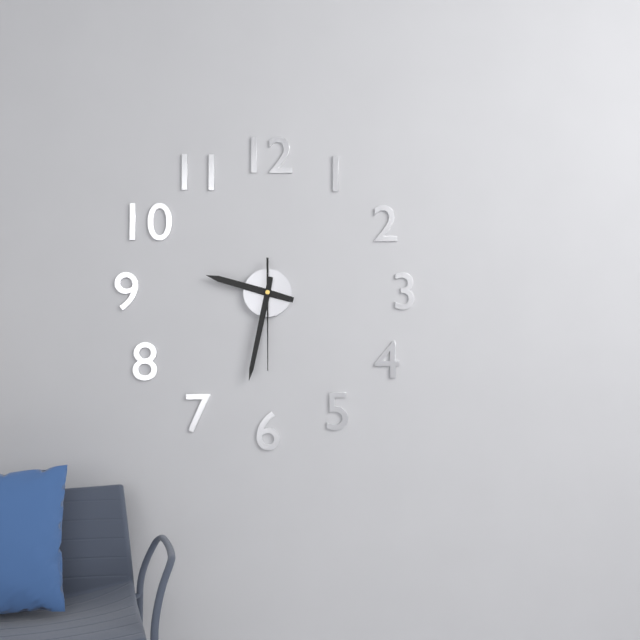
9 h 32 min 30 s
